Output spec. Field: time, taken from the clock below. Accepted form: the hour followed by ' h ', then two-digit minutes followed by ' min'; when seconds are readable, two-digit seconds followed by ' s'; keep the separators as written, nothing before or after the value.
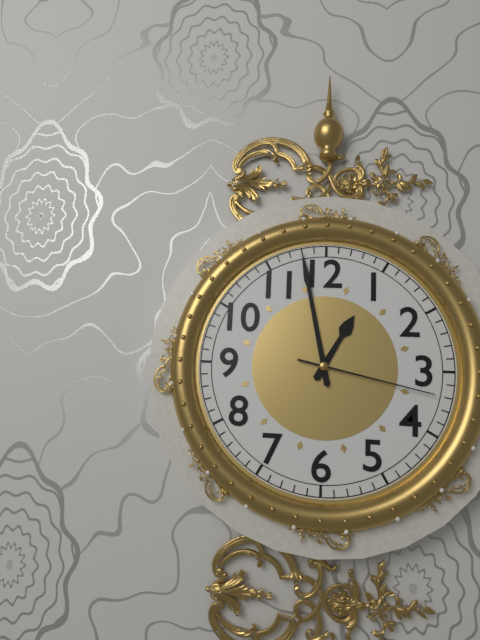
12 h 58 min 17 s
